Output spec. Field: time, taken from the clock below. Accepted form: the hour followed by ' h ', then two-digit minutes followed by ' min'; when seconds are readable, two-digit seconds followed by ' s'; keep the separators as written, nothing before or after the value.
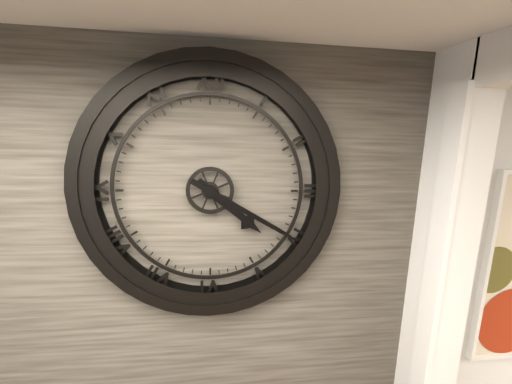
4 h 20 min
